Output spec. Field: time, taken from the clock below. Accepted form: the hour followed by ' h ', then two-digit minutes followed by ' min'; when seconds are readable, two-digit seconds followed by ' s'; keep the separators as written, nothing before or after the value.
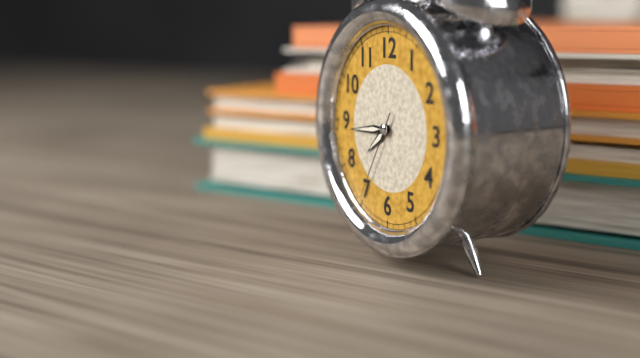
7 h 44 min 35 s
